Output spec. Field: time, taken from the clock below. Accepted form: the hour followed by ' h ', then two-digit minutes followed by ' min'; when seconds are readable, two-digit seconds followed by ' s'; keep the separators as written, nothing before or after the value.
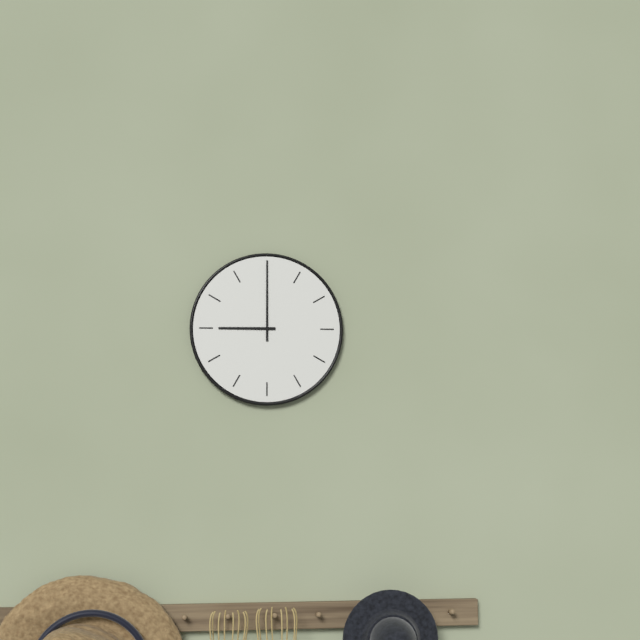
9 h 00 min
